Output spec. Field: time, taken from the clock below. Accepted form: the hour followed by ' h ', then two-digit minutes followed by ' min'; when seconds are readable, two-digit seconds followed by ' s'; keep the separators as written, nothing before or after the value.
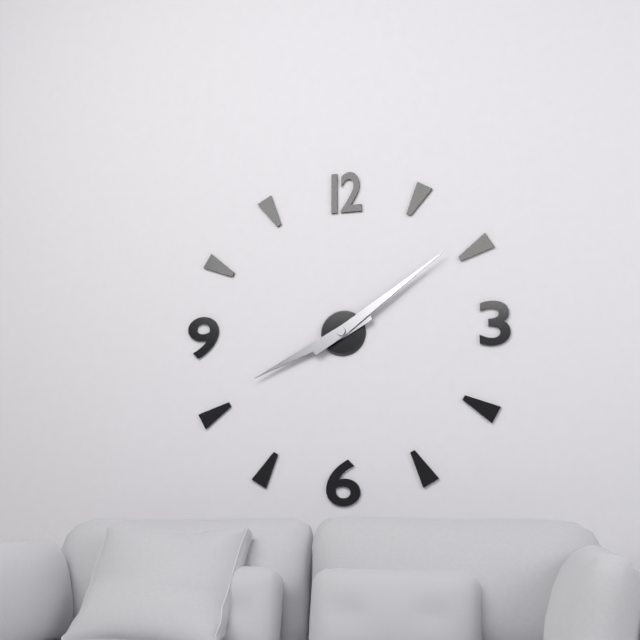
8 h 09 min
